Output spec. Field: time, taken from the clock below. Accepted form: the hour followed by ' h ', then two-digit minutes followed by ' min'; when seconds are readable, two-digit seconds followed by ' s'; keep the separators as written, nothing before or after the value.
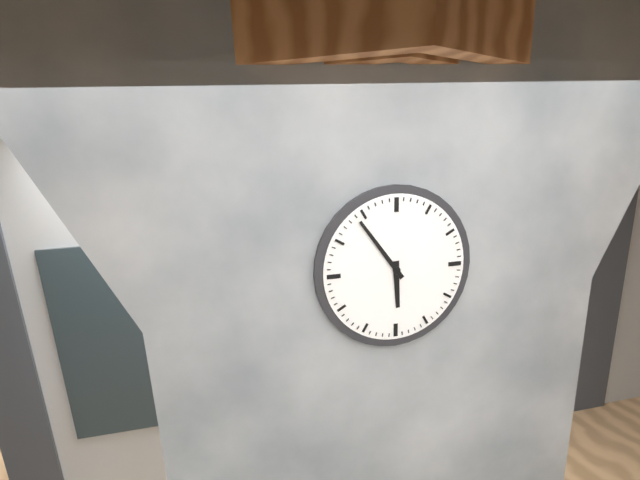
5 h 54 min
